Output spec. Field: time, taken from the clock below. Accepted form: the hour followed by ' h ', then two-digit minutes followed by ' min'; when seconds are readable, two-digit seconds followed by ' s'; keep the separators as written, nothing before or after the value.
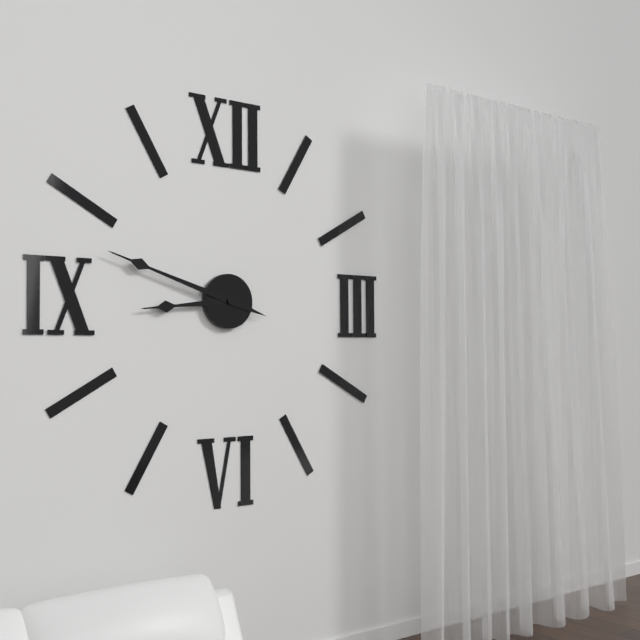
8 h 48 min
